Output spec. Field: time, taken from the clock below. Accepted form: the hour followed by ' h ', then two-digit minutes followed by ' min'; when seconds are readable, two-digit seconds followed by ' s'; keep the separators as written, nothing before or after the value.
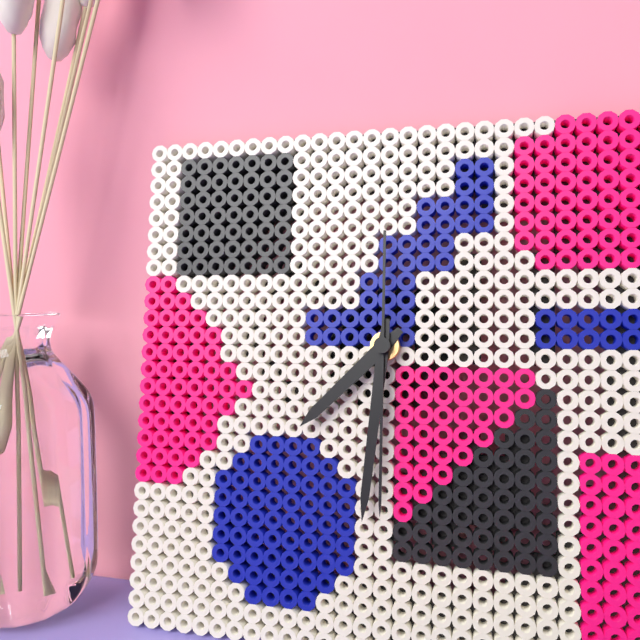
7 h 31 min 30 s
